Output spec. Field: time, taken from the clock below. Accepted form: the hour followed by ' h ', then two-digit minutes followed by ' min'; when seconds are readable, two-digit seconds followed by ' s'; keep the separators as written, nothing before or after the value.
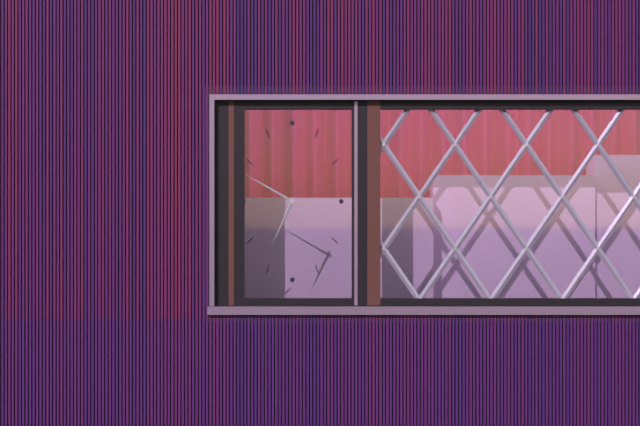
6 h 50 min
